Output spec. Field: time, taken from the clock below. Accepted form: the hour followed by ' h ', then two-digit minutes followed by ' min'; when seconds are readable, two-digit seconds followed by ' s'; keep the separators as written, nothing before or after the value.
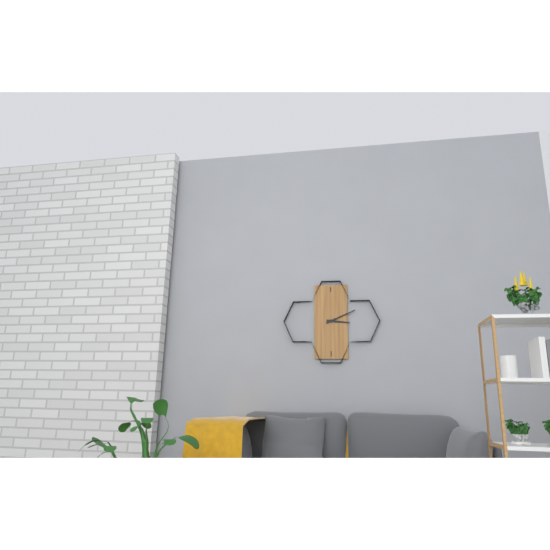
3 h 11 min
